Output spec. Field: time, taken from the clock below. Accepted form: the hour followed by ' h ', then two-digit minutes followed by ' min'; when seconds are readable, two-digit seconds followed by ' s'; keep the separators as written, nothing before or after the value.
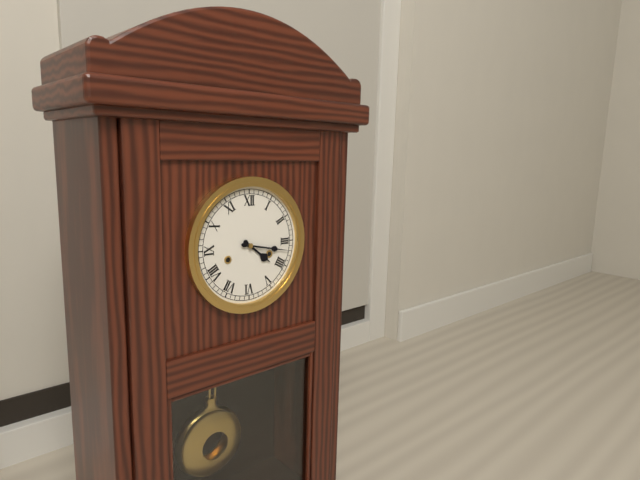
4 h 17 min
